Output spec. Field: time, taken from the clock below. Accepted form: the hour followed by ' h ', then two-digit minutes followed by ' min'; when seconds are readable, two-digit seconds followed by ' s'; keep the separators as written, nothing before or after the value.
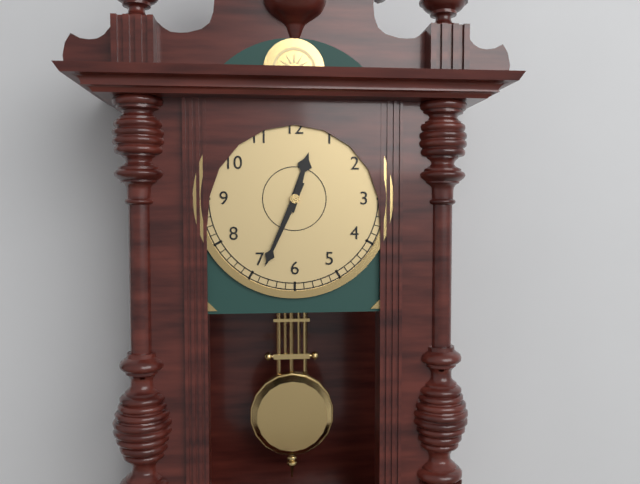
12 h 34 min
